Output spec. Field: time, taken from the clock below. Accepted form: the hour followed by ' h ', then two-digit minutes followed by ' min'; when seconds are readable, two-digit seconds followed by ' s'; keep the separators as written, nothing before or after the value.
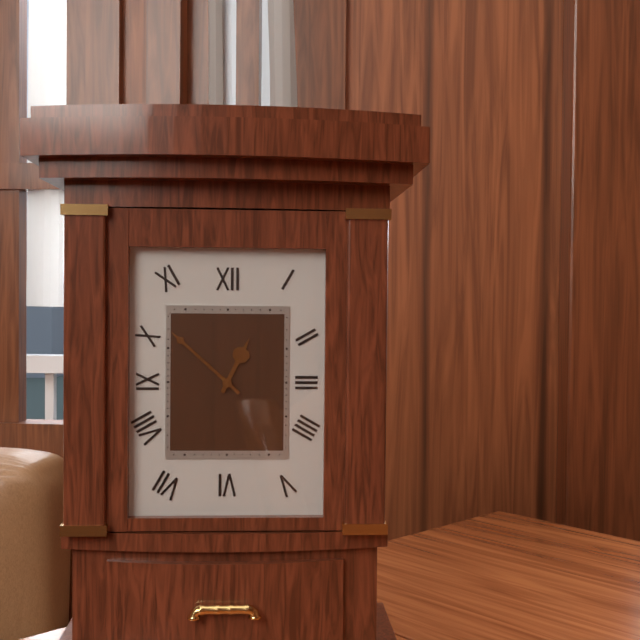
12 h 52 min
